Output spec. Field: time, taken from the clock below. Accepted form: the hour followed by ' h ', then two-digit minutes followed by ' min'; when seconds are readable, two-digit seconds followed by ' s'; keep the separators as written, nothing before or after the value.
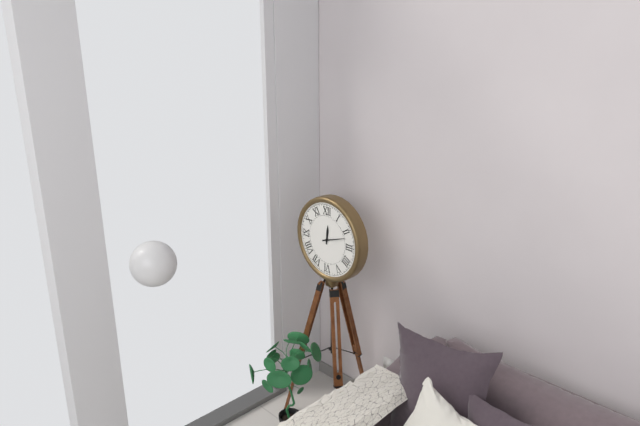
12 h 12 min
